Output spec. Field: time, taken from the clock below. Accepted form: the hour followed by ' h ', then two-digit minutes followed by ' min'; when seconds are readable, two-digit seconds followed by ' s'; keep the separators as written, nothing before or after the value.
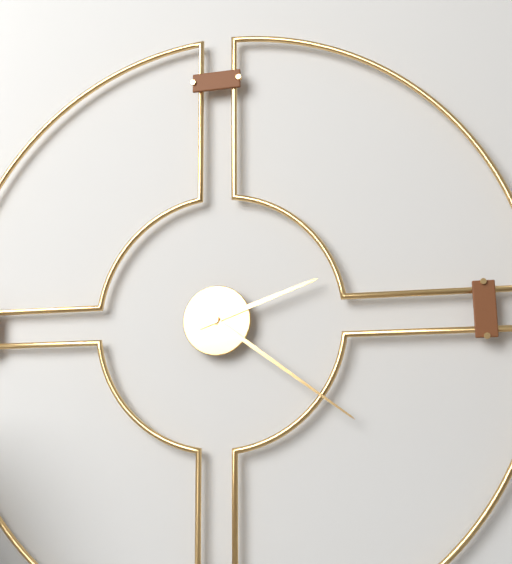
2 h 21 min
